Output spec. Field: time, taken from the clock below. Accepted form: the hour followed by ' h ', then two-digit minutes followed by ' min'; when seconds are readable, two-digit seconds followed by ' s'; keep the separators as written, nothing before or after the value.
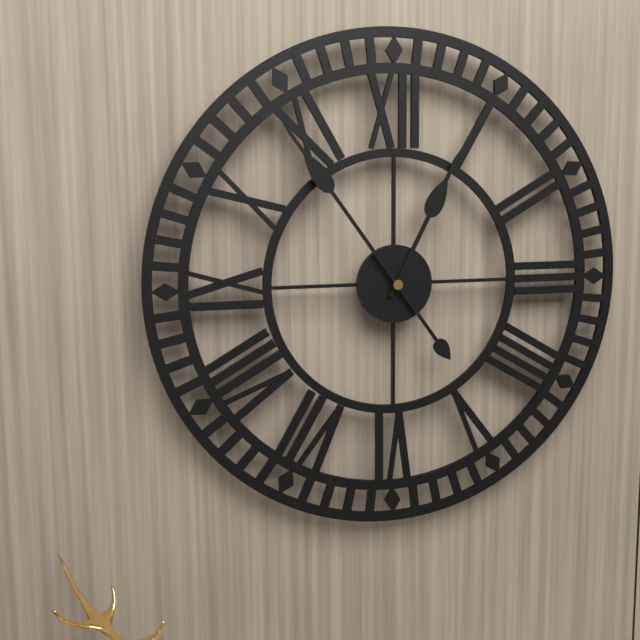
12 h 54 min
